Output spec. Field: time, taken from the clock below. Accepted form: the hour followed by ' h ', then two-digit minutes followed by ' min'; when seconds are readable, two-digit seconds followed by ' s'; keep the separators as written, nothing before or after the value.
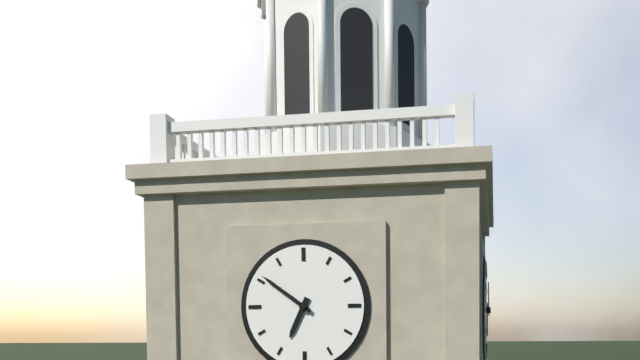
6 h 51 min
